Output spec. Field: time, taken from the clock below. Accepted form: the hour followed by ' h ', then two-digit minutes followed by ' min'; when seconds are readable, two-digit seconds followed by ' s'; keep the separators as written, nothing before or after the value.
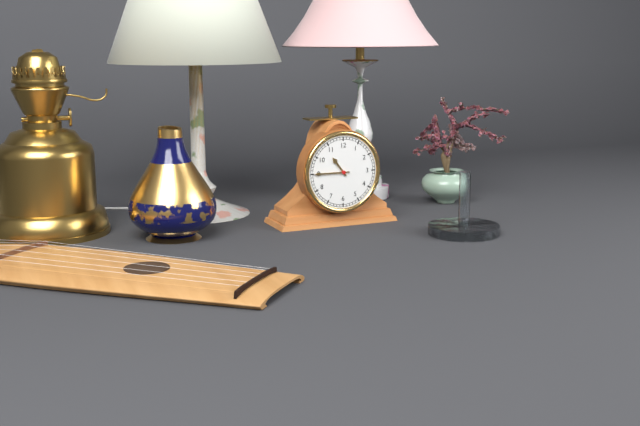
10 h 45 min
